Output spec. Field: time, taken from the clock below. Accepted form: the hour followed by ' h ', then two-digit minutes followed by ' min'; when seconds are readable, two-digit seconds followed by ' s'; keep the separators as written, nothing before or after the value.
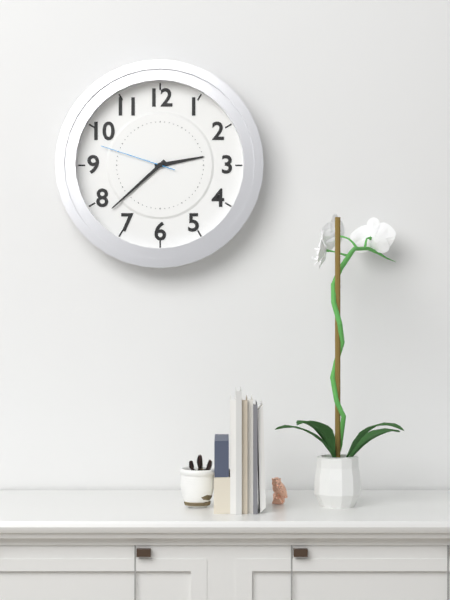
2 h 38 min 48 s
